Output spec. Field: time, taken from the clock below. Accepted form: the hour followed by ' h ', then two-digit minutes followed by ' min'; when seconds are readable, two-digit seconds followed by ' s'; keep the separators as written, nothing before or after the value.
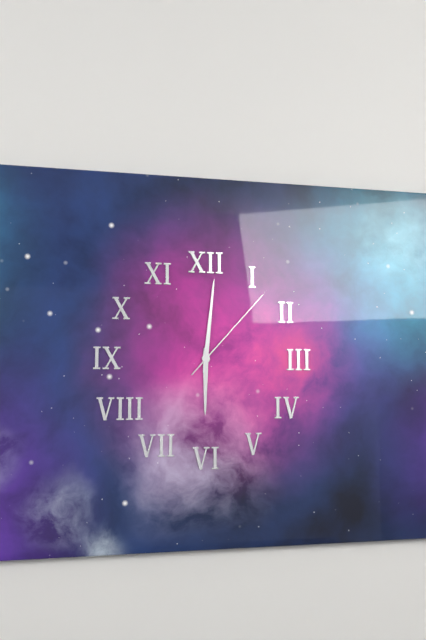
6 h 01 min 07 s
